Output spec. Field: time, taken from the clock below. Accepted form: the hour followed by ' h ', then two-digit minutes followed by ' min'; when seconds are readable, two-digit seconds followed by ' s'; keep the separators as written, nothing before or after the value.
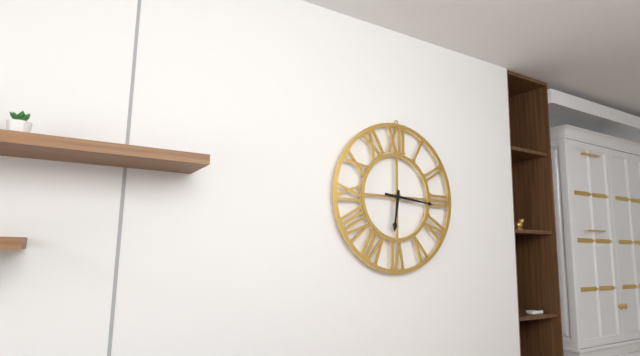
6 h 16 min
